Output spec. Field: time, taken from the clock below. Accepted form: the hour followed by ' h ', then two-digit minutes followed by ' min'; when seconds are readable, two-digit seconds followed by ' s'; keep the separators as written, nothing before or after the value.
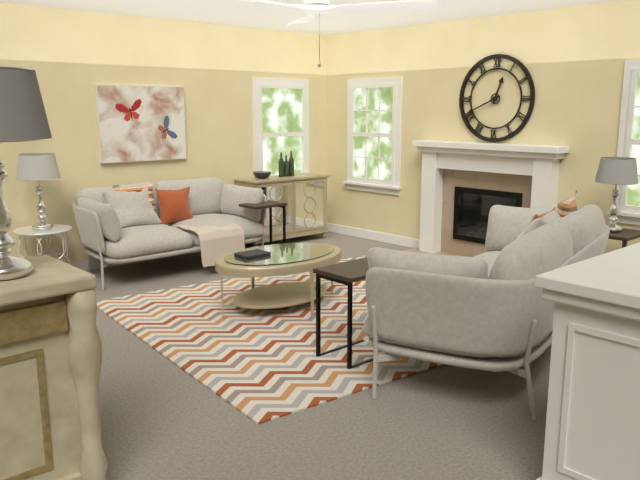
12 h 41 min
